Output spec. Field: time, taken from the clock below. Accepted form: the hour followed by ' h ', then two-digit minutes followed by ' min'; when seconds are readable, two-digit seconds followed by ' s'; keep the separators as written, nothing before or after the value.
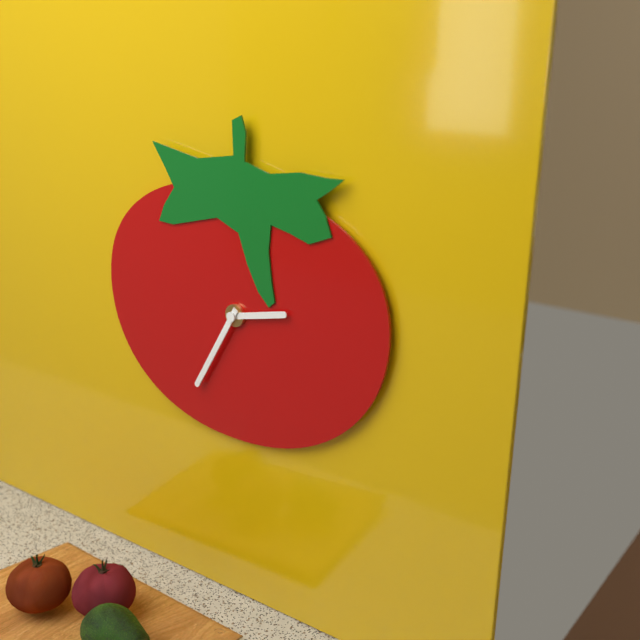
2 h 35 min
